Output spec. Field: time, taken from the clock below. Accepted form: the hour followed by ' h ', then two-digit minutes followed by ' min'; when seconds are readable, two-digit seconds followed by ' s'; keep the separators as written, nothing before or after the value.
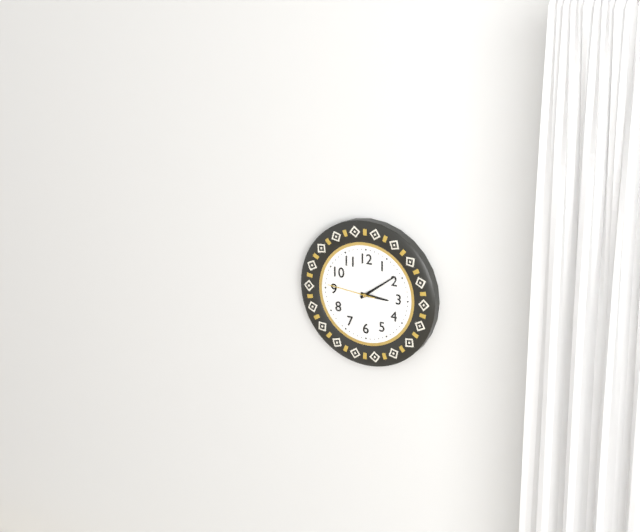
3 h 09 min
